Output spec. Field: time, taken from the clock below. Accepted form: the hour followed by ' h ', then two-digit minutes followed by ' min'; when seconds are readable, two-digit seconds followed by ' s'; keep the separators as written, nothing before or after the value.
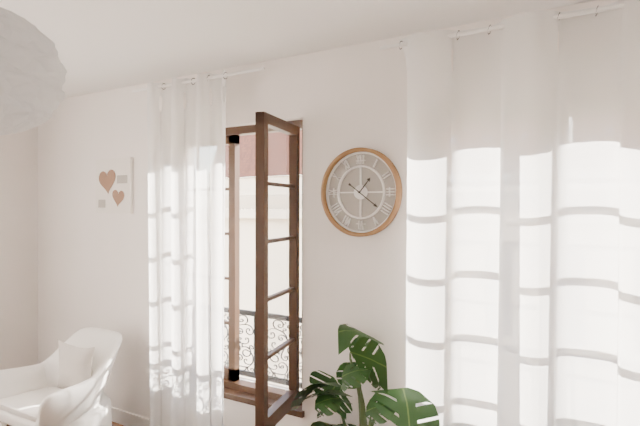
1 h 21 min
